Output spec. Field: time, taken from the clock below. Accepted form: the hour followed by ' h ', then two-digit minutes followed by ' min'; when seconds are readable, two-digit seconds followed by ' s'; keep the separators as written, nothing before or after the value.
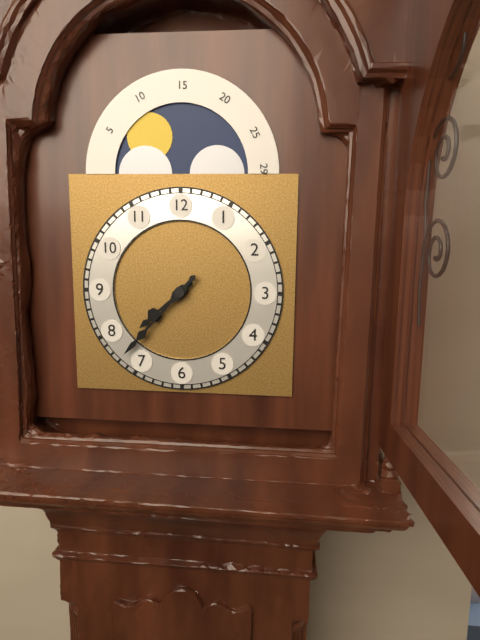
7 h 37 min
